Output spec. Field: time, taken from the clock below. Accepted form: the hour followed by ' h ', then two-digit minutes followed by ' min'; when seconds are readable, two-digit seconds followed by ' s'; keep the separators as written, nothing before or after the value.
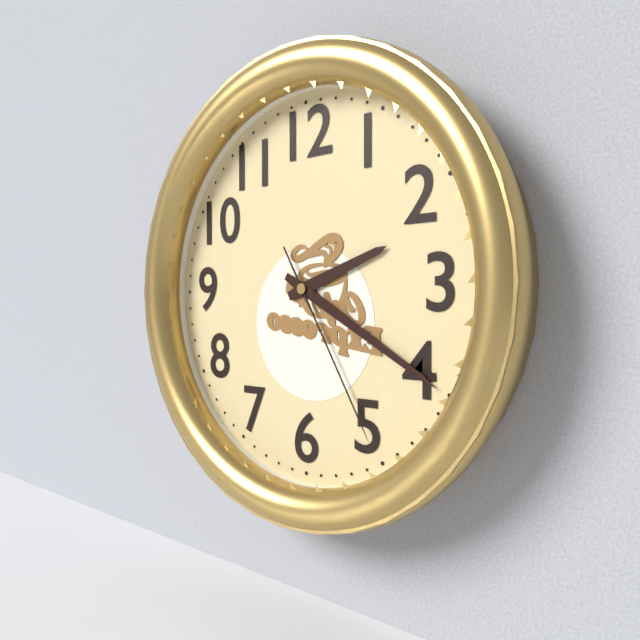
2 h 20 min 25 s
